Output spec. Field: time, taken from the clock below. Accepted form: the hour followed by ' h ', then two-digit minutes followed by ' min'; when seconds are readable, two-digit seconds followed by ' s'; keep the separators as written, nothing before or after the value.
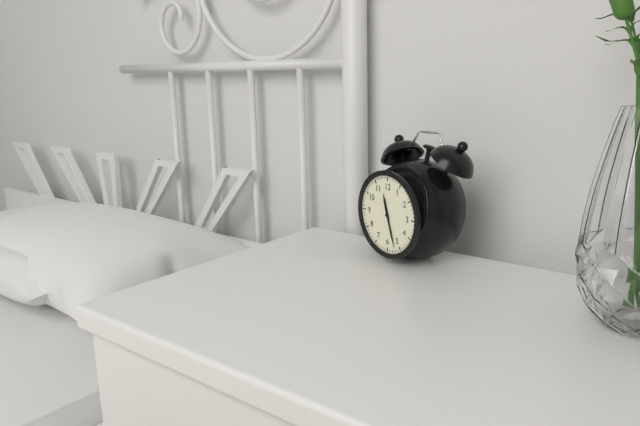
11 h 27 min
